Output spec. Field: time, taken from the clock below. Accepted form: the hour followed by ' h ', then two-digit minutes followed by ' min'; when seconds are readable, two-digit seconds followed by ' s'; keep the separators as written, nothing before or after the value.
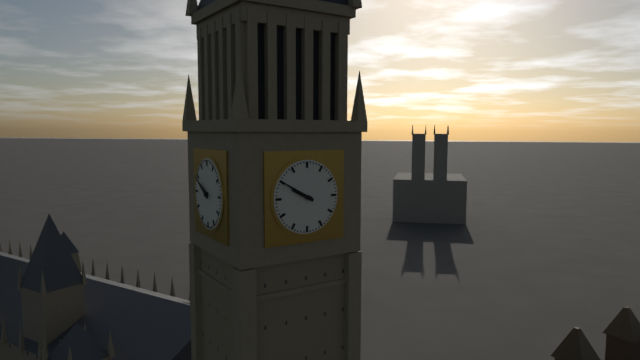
9 h 50 min
